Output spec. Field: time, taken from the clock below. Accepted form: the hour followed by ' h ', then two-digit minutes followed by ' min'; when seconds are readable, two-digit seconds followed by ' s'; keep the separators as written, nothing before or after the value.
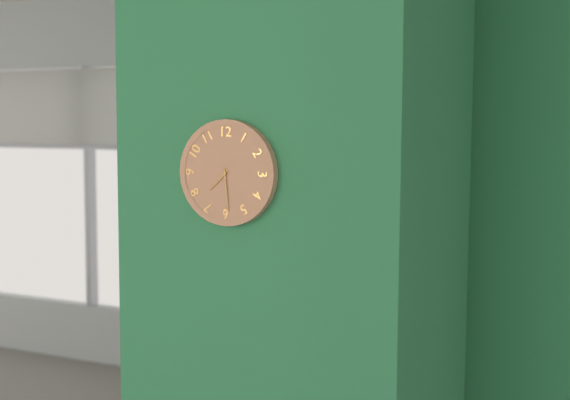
7 h 29 min
